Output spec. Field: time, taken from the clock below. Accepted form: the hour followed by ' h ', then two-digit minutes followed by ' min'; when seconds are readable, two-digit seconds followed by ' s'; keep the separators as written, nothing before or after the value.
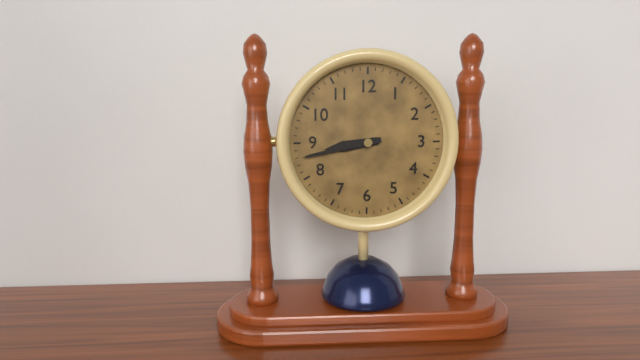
8 h 43 min
